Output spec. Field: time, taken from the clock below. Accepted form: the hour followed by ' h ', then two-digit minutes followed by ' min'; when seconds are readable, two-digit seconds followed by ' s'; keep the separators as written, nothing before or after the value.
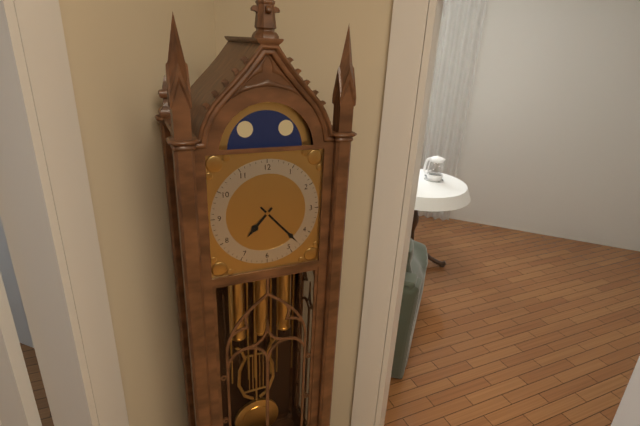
7 h 23 min
